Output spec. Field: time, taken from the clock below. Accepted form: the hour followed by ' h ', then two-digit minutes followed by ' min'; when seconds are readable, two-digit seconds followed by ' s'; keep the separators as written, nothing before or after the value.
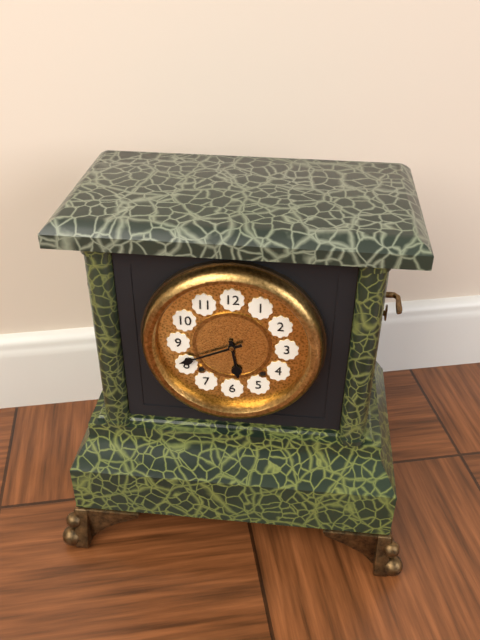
5 h 41 min
